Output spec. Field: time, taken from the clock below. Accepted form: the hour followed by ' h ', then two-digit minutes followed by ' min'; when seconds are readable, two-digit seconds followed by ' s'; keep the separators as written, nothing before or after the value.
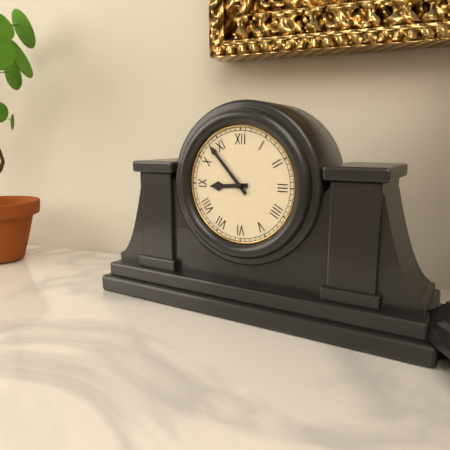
8 h 53 min
